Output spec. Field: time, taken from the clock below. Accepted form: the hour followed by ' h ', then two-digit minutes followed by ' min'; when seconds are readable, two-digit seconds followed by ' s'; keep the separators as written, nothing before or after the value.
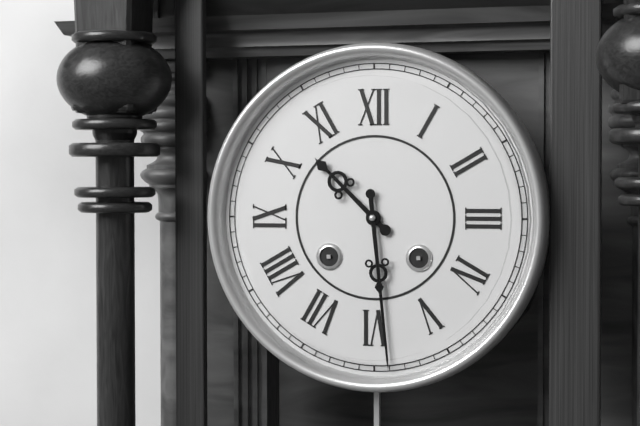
10 h 29 min
